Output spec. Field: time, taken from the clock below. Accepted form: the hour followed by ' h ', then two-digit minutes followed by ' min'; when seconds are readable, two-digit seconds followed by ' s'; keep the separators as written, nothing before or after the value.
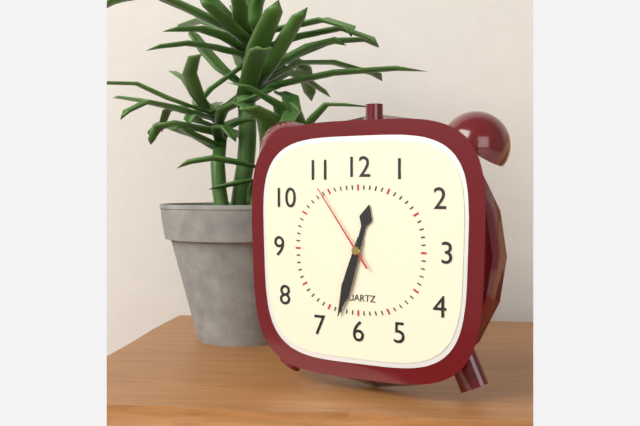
12 h 33 min 54 s
